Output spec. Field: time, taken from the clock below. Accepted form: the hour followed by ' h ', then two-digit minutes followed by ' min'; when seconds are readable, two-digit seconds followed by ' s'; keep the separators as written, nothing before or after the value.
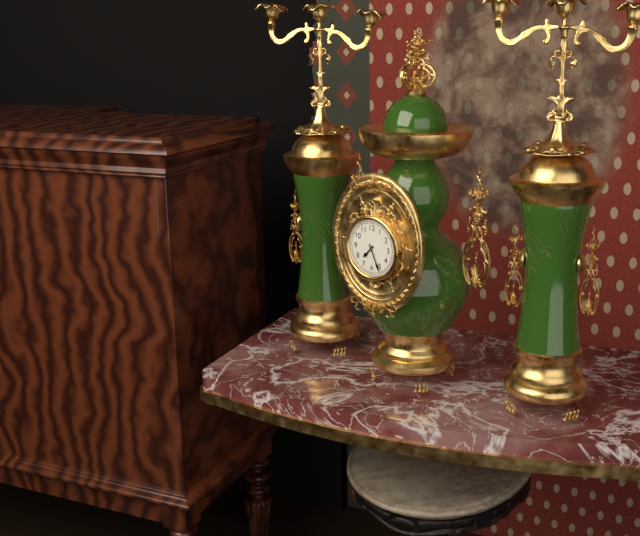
7 h 26 min
